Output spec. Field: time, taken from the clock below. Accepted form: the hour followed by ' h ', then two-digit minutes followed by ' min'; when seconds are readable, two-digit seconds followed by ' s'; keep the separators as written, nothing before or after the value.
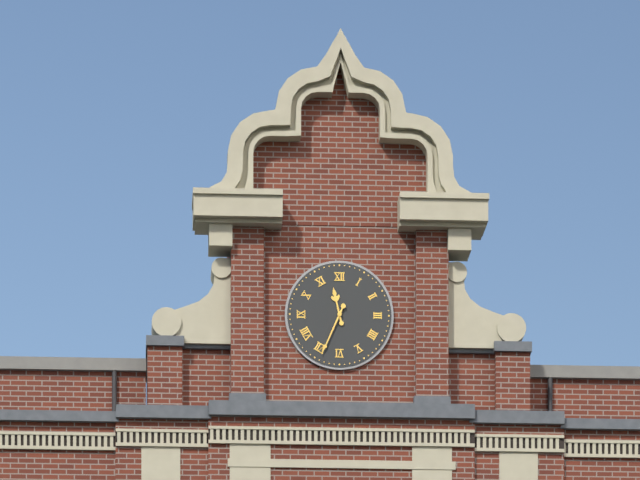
11 h 34 min
